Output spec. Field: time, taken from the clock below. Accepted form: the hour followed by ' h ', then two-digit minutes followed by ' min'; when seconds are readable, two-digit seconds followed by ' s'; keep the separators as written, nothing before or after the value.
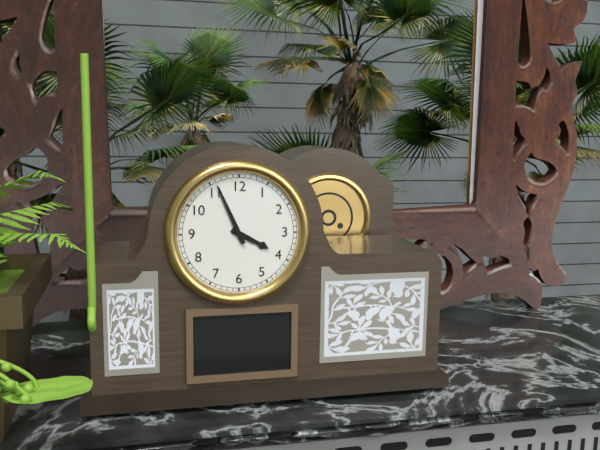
3 h 56 min
